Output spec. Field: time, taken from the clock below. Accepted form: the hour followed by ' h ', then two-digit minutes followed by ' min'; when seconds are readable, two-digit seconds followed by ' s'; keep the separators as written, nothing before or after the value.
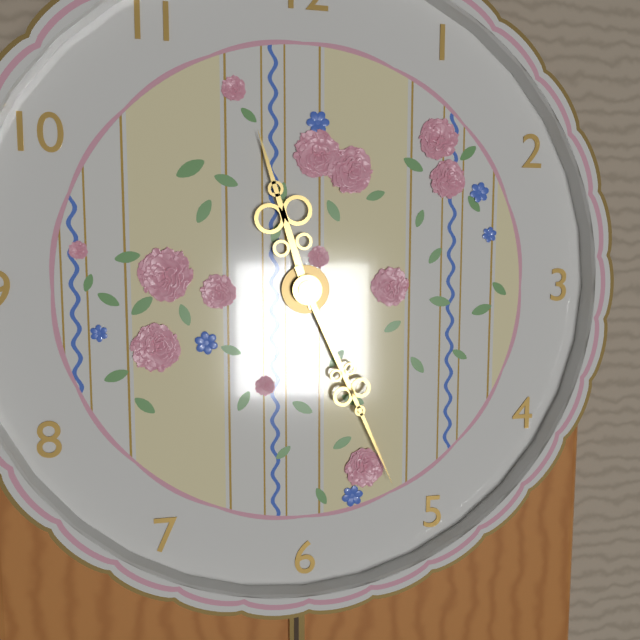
11 h 26 min
